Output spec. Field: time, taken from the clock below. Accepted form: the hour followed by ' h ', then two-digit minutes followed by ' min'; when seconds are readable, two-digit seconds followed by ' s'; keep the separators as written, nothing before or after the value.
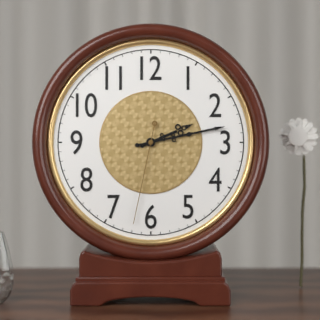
2 h 13 min 32 s
